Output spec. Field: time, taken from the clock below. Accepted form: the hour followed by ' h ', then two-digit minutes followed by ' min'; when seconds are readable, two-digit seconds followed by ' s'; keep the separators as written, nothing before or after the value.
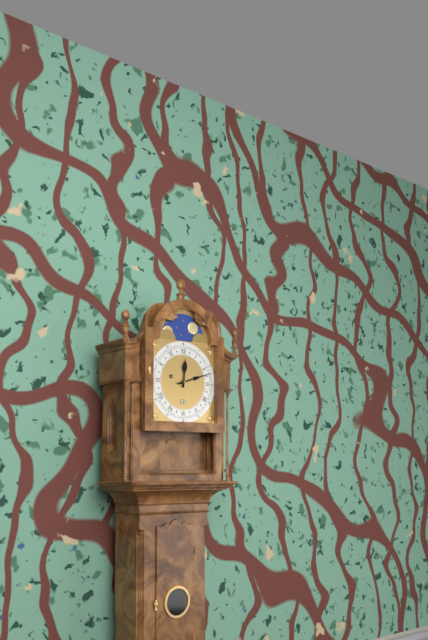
12 h 12 min
